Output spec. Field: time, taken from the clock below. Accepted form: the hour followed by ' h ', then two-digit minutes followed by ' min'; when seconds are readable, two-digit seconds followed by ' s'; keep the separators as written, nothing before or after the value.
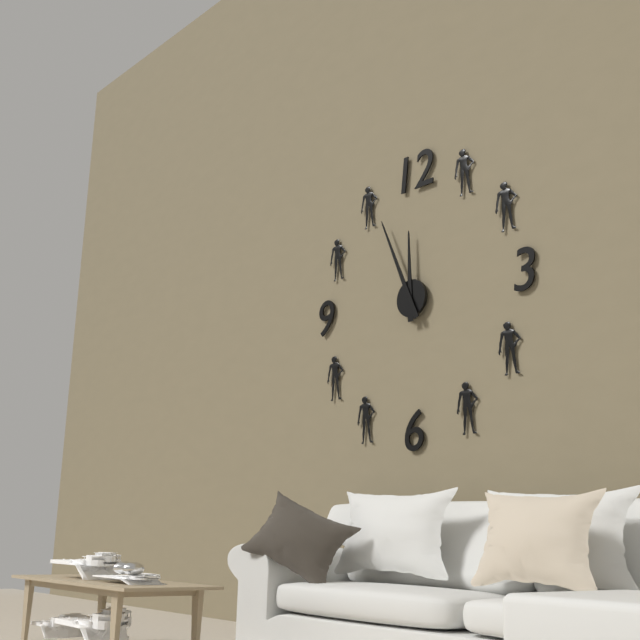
11 h 56 min
